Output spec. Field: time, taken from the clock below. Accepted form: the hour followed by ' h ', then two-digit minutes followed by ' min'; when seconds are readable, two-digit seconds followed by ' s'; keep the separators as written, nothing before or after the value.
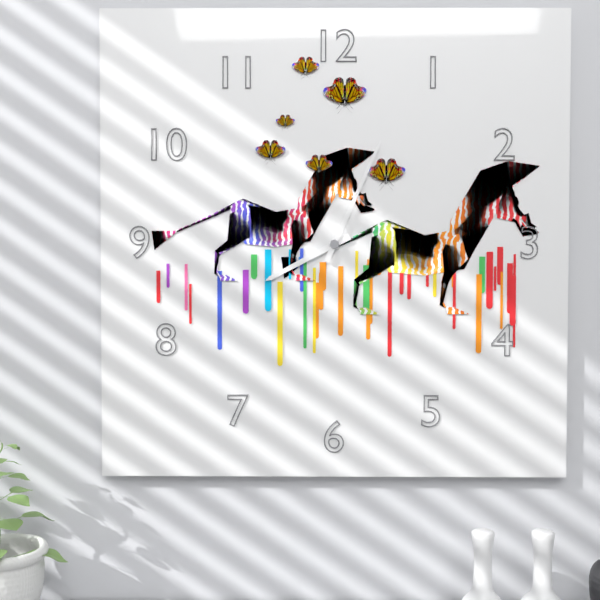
8 h 04 min
